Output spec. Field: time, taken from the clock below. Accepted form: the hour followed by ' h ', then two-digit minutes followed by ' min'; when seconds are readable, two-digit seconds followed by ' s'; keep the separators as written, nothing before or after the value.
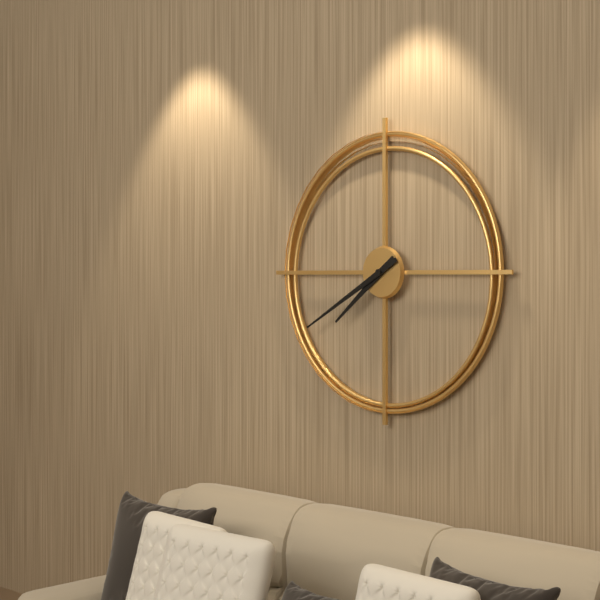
7 h 40 min
